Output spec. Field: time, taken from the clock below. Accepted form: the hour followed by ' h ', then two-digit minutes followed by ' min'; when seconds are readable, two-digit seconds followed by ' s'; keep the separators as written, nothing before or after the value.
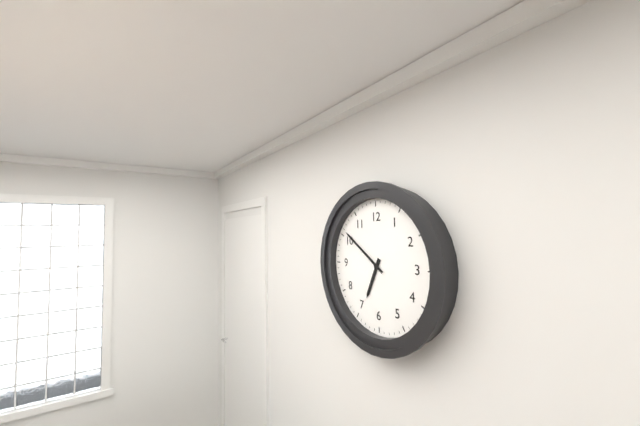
6 h 51 min
